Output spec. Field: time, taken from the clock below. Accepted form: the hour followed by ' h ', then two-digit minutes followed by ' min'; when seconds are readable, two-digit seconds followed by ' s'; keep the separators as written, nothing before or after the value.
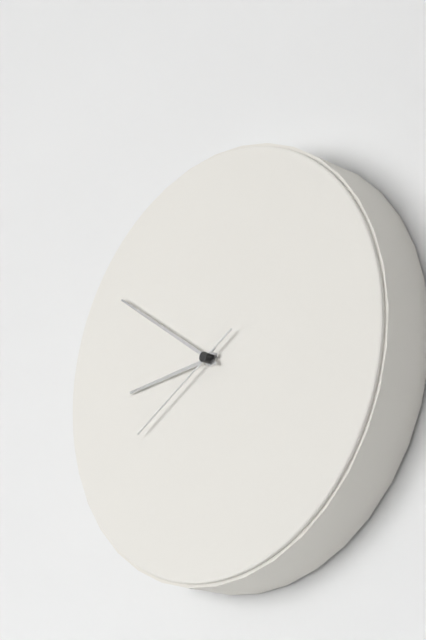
8 h 51 min 40 s
